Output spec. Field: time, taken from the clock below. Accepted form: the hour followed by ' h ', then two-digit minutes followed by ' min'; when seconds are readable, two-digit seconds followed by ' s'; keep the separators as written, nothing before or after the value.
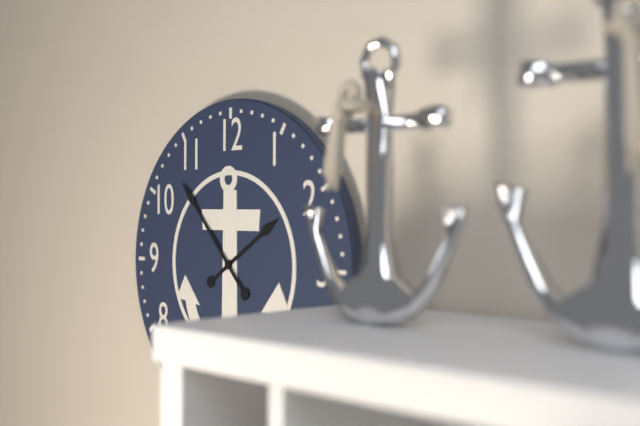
1 h 53 min
